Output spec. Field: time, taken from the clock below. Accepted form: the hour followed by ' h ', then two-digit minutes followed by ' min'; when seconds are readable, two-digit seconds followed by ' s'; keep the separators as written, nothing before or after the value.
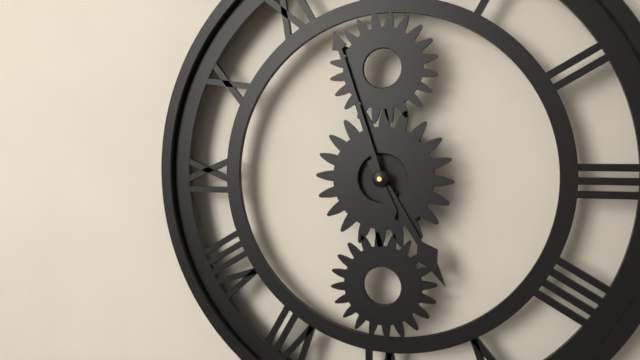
4 h 57 min
